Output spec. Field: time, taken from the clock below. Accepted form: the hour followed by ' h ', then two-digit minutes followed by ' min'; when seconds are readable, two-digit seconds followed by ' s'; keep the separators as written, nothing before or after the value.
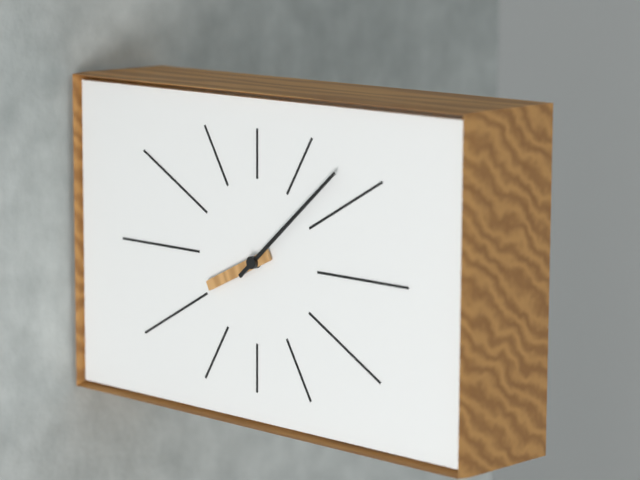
8 h 08 min
